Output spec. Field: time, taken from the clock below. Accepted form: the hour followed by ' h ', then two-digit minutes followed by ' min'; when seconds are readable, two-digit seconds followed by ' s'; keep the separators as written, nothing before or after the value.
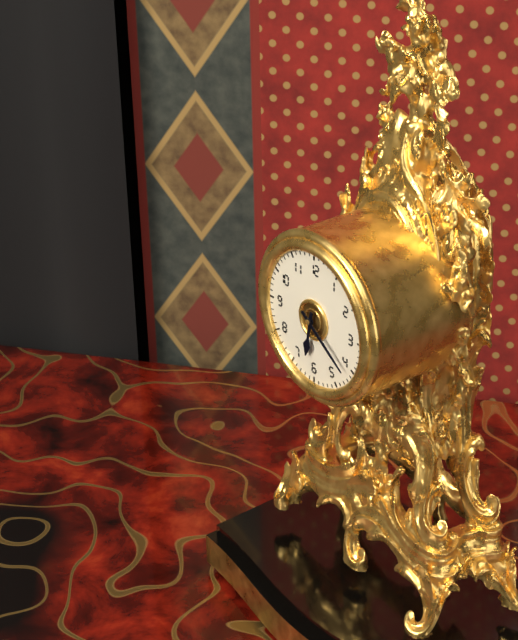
6 h 21 min
